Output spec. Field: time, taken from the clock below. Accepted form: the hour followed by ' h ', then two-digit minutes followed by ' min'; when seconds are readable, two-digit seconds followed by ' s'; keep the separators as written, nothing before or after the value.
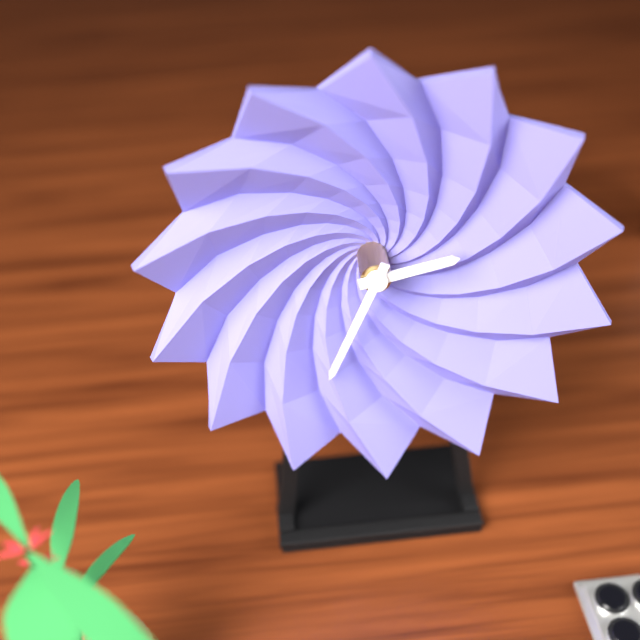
2 h 34 min
